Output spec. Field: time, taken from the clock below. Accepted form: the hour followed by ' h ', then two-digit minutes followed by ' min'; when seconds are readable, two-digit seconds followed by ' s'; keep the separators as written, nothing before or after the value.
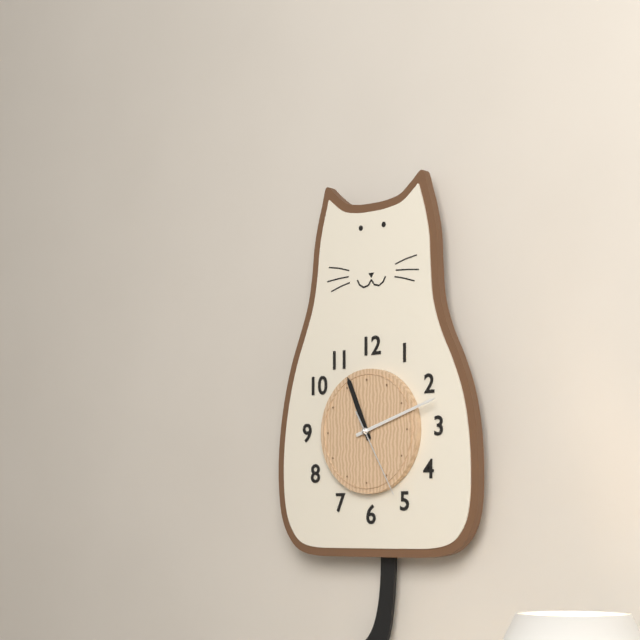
11 h 12 min 25 s
